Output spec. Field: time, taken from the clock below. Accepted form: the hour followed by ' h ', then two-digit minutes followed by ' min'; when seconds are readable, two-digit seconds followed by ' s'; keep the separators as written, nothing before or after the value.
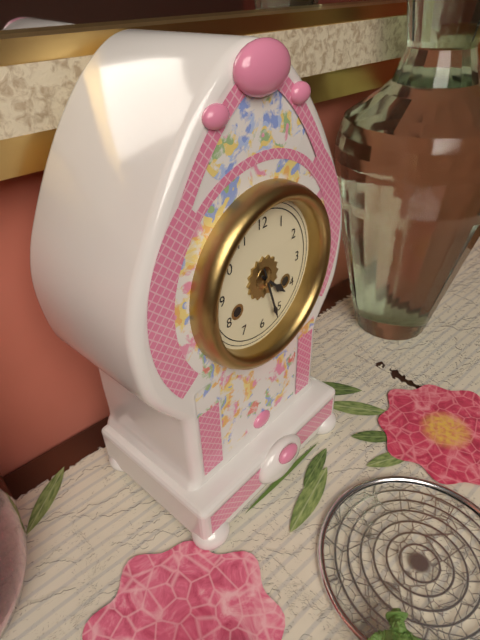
4 h 27 min
